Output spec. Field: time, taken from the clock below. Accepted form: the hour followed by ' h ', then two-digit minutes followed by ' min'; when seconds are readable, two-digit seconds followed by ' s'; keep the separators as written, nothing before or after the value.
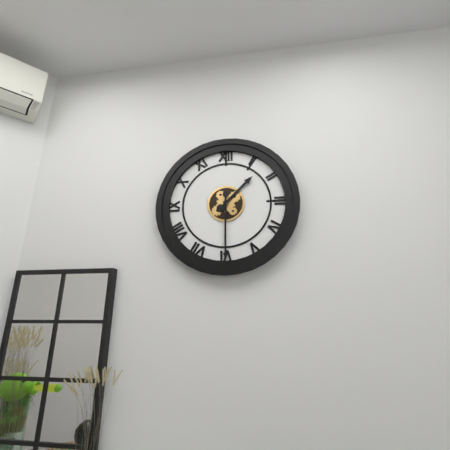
1 h 30 min
